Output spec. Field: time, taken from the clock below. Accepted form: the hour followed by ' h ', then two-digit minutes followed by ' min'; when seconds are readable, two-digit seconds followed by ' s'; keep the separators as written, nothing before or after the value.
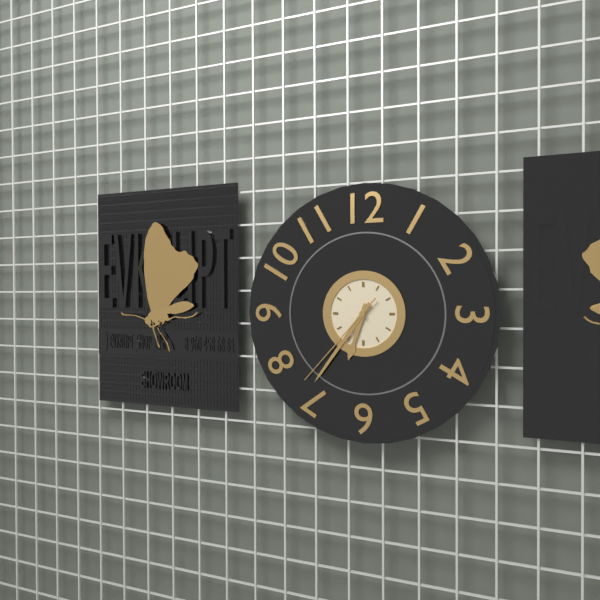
6 h 36 min 37 s
